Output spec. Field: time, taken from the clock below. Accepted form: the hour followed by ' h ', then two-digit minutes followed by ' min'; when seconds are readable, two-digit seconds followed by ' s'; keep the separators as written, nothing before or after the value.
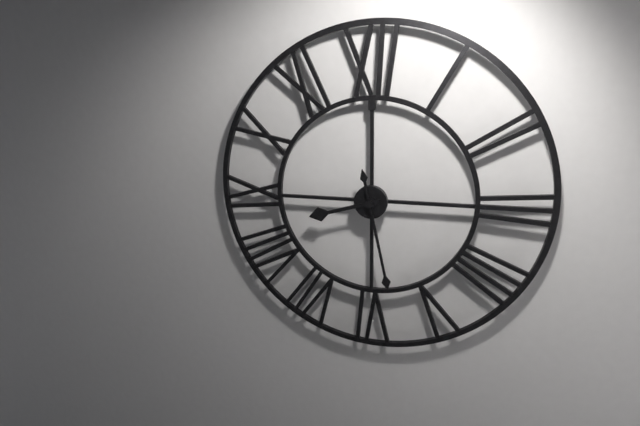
8 h 28 min
